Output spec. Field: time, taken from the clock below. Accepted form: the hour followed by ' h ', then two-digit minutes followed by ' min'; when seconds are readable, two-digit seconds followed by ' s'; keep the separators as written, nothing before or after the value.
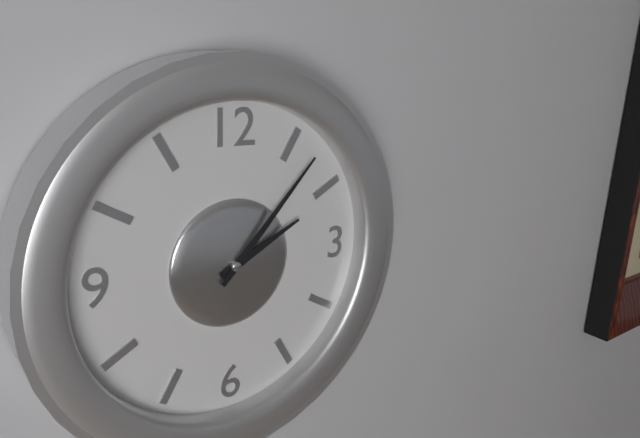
2 h 07 min
